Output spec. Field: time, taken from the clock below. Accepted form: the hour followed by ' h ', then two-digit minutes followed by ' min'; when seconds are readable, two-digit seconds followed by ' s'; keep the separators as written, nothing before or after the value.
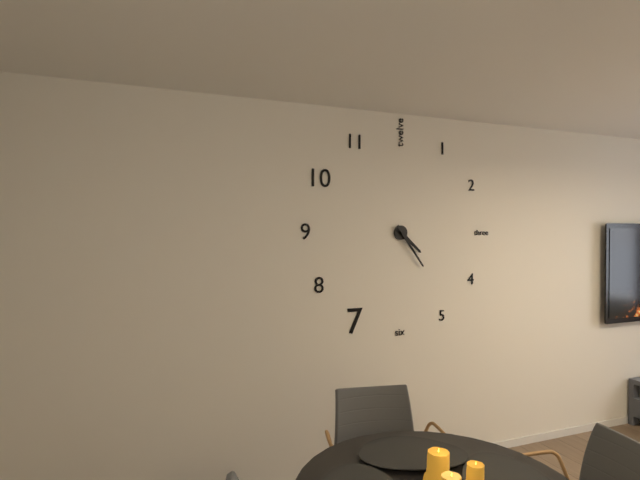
4 h 24 min
